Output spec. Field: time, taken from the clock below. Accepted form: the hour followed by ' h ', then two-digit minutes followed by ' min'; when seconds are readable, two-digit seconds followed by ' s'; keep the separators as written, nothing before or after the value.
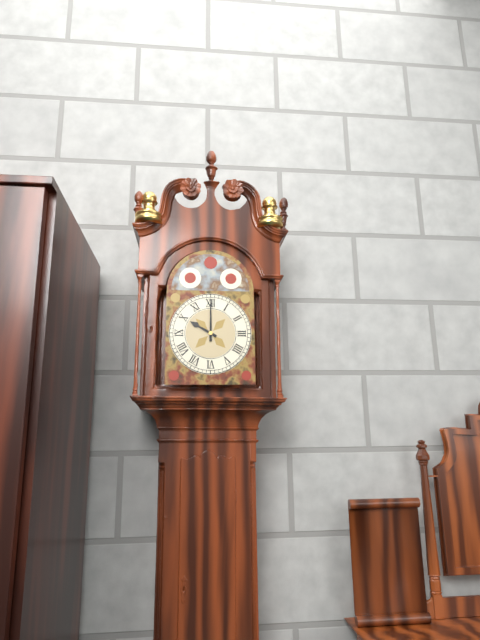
10 h 00 min
